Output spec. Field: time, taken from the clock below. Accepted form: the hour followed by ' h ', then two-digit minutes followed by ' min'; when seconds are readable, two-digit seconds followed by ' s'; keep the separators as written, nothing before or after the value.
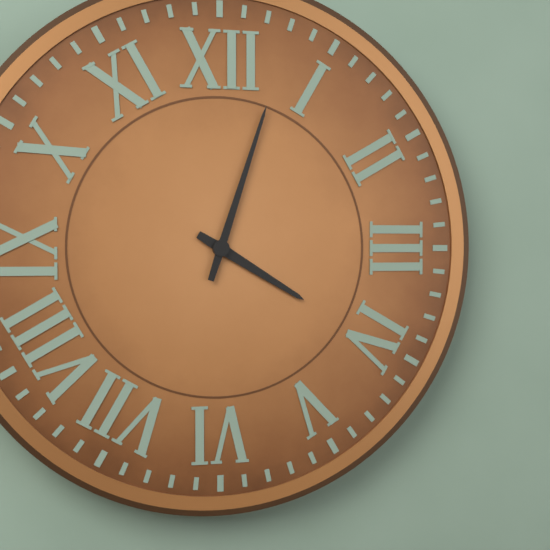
4 h 03 min
